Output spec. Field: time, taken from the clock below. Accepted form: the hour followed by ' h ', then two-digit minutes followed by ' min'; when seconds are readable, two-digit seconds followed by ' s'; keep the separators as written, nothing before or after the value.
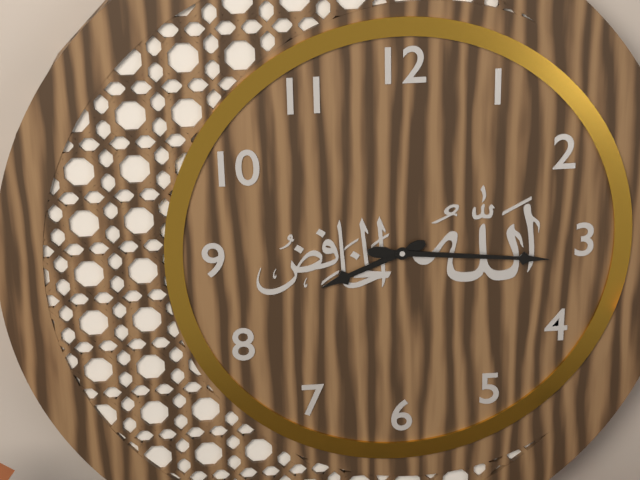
8 h 16 min
